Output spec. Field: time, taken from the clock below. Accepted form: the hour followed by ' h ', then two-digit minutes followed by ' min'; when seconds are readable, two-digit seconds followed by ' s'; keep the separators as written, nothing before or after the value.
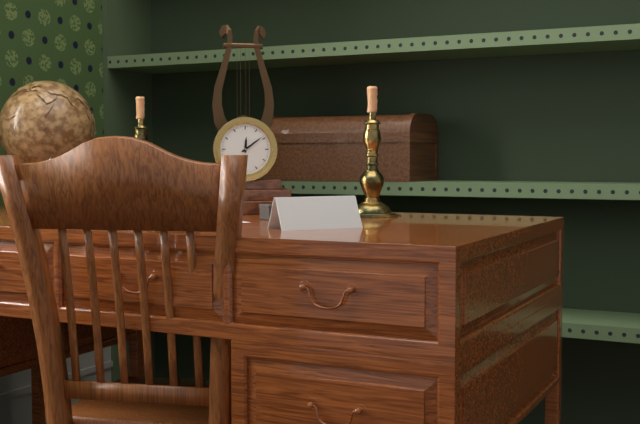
12 h 09 min
